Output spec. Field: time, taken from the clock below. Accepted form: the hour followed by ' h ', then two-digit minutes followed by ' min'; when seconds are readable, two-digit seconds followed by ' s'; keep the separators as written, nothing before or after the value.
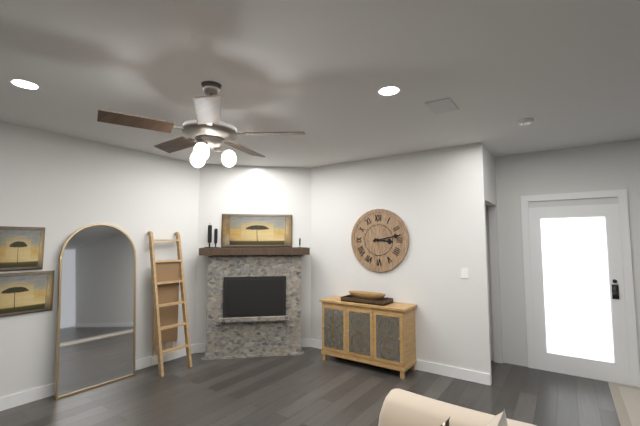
3 h 13 min
